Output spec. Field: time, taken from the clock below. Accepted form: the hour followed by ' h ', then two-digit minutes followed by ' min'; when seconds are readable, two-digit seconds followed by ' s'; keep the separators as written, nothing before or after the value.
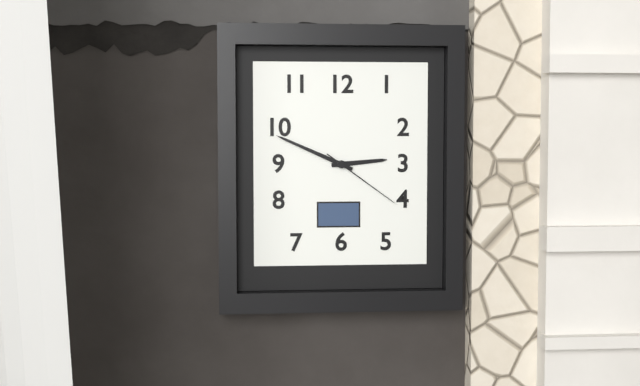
2 h 49 min 21 s
